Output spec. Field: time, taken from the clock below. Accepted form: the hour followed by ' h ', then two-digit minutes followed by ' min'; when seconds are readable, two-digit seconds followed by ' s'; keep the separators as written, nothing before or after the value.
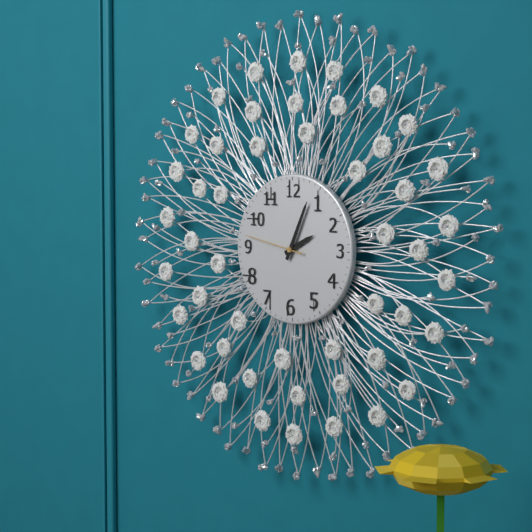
2 h 04 min 47 s
